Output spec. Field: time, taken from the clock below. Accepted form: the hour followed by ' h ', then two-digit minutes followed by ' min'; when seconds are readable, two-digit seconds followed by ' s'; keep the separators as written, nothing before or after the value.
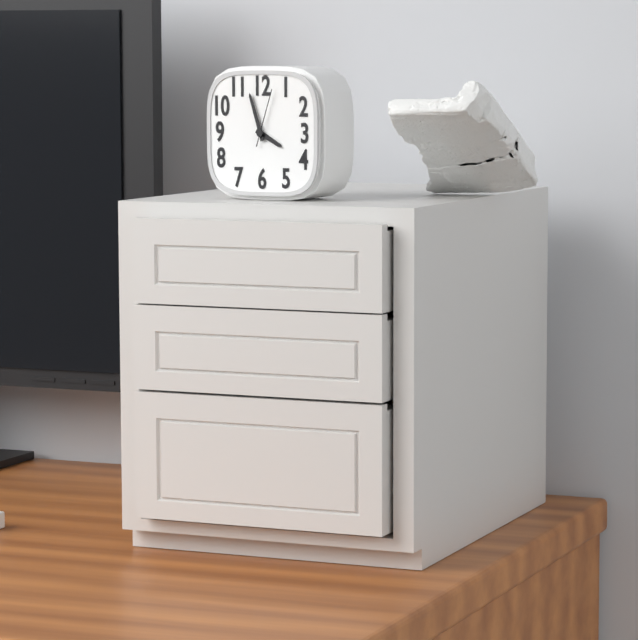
3 h 57 min 03 s
